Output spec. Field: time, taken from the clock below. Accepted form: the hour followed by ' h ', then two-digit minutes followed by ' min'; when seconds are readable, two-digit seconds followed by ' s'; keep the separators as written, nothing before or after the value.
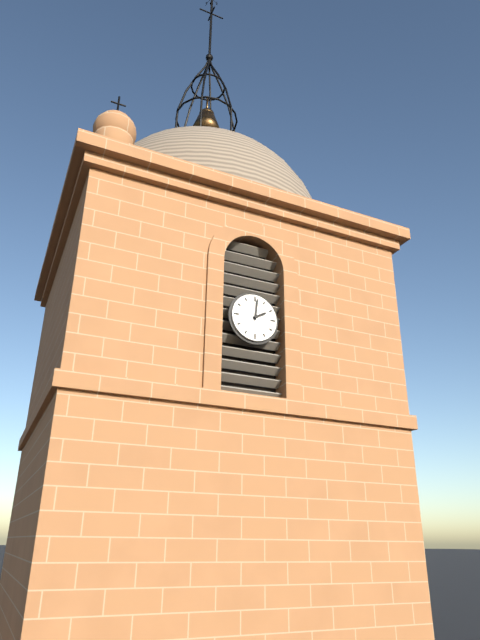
2 h 01 min
